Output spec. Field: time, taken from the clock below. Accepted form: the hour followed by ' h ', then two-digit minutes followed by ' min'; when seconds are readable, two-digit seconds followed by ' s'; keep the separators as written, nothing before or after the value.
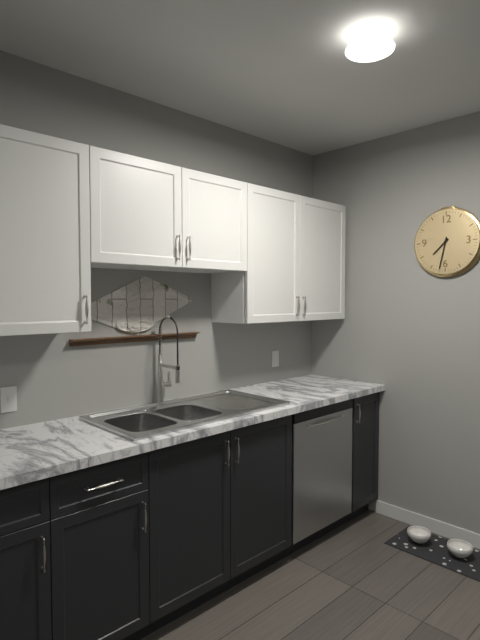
7 h 32 min
